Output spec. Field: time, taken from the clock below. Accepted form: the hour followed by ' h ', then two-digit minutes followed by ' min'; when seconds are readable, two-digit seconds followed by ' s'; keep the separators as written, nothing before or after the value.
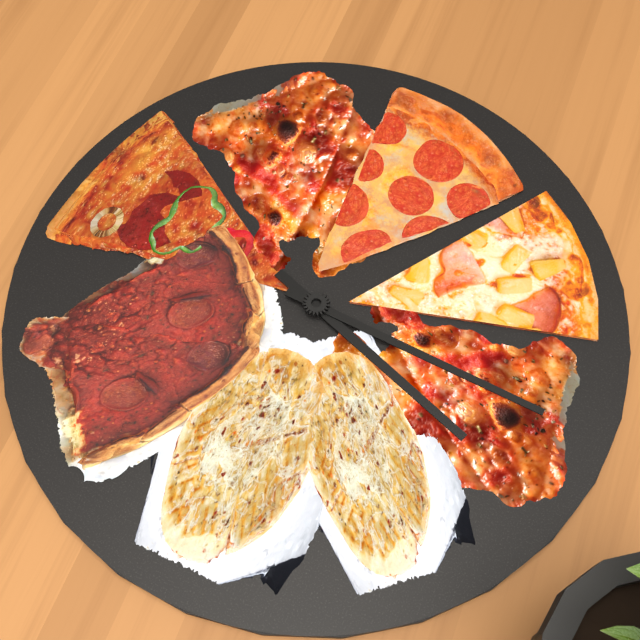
9 h 46 min
